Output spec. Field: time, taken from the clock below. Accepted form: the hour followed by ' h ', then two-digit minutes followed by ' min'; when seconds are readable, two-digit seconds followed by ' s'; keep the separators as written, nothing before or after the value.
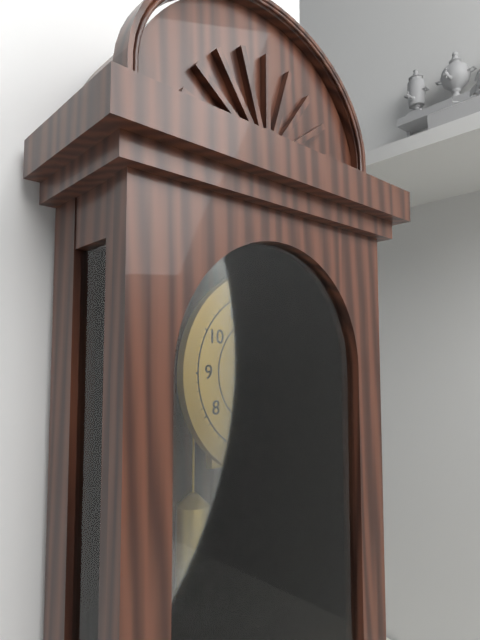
10 h 56 min
